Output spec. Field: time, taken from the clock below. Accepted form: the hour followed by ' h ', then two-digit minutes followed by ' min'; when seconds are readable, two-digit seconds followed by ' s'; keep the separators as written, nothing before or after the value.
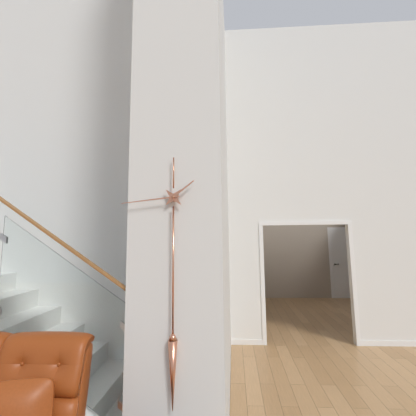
1 h 44 min
